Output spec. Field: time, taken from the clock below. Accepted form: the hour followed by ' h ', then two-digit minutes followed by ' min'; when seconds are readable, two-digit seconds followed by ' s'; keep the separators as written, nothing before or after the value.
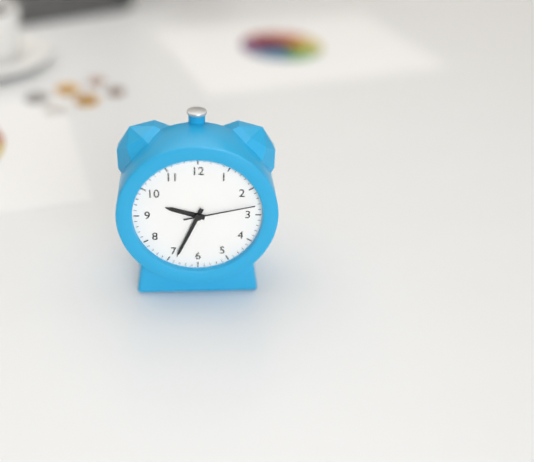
9 h 34 min 13 s
